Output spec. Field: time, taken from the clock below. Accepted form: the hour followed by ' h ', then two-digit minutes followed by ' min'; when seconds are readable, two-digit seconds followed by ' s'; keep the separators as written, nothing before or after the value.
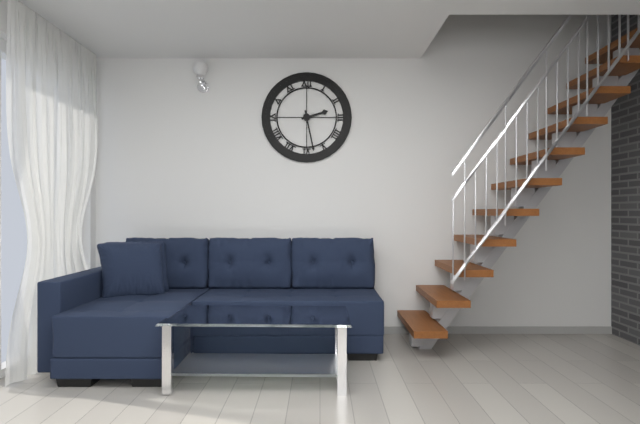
2 h 28 min
